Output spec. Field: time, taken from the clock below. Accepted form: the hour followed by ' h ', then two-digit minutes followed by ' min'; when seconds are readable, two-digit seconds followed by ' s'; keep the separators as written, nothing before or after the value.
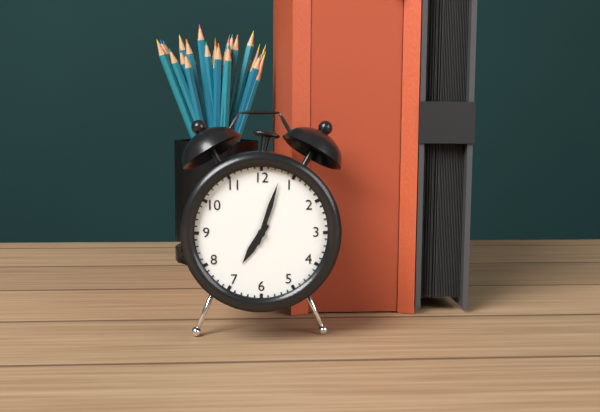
7 h 03 min
